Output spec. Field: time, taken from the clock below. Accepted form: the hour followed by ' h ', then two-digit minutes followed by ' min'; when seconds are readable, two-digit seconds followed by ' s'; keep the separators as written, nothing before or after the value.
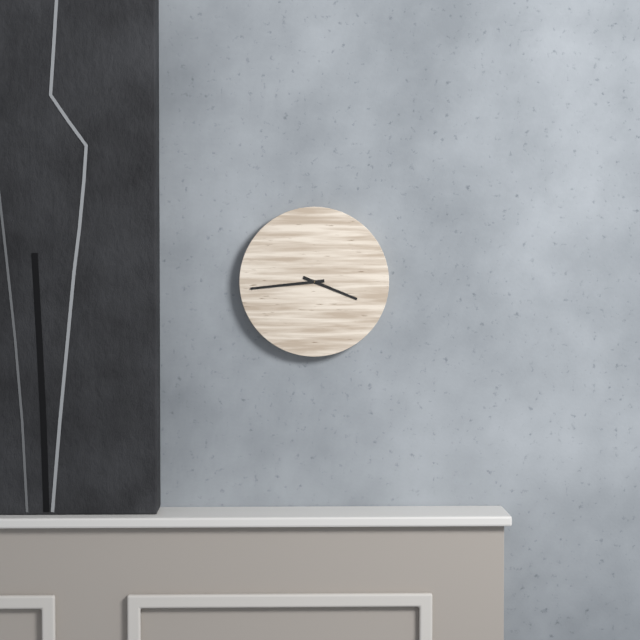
3 h 44 min
